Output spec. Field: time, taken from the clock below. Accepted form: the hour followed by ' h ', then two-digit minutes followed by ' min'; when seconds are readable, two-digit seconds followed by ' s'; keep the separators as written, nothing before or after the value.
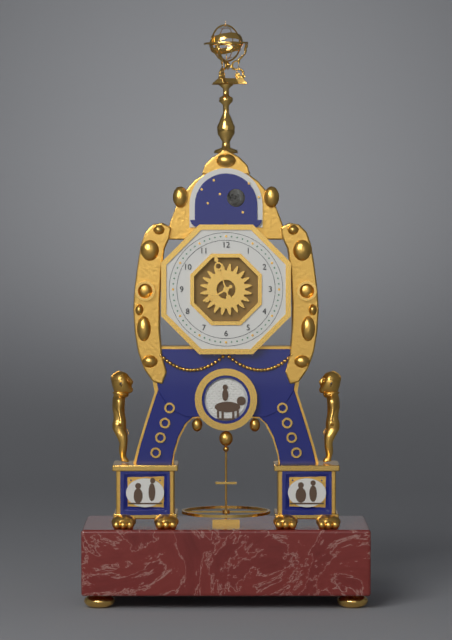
7 h 57 min
